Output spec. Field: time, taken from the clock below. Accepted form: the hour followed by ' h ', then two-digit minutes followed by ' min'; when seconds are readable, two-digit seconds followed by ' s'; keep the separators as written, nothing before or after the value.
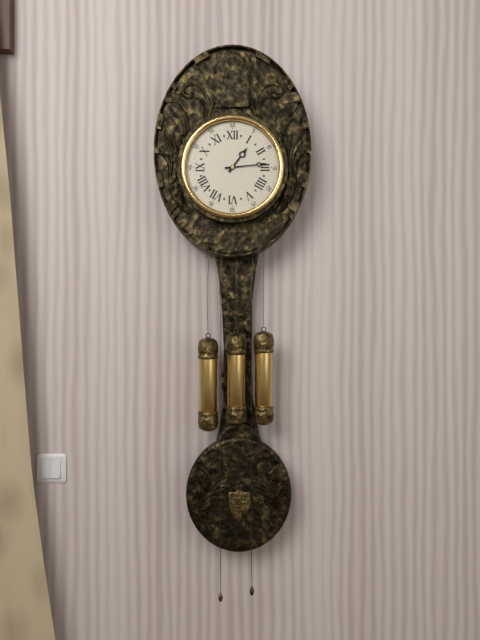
1 h 14 min
